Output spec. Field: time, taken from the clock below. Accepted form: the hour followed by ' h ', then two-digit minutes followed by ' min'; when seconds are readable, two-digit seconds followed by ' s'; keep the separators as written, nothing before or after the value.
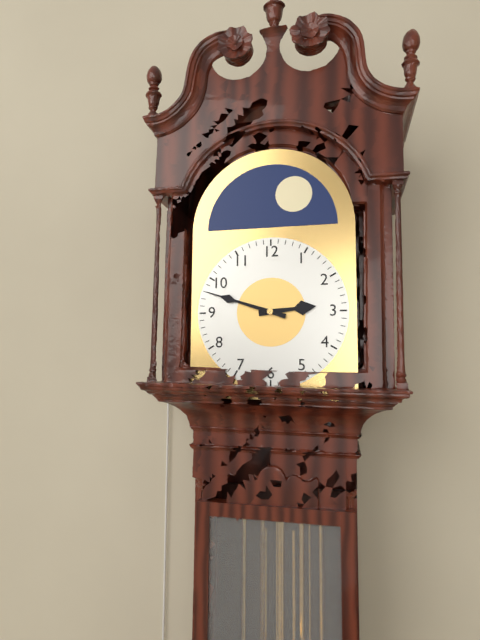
2 h 48 min
